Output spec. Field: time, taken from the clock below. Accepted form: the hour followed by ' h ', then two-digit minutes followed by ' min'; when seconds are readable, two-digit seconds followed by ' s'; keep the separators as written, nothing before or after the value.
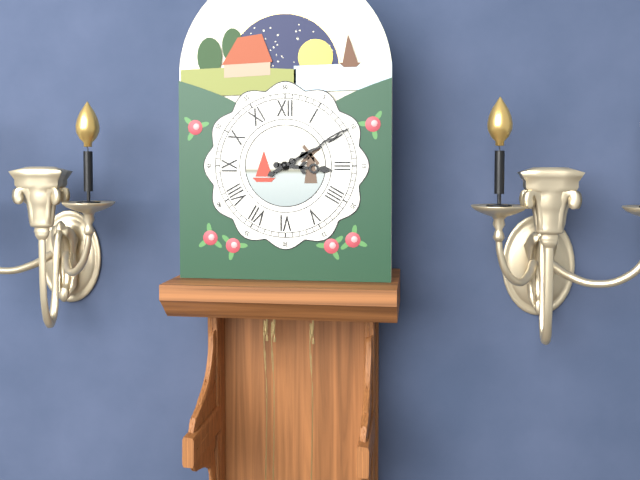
3 h 10 min
